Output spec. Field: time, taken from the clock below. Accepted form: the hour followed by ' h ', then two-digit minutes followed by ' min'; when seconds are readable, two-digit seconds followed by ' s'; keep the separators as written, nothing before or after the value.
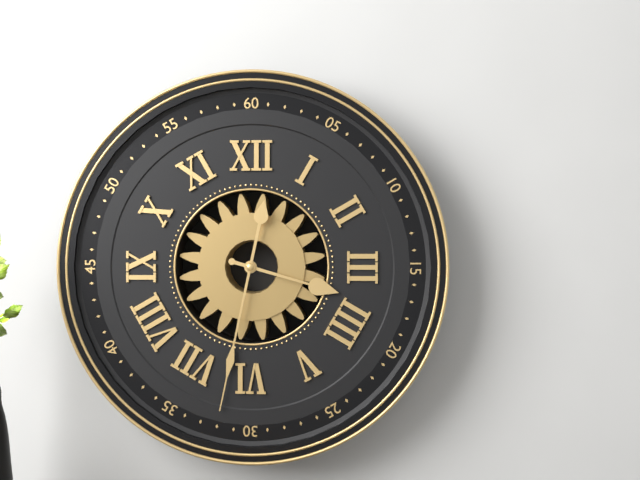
3 h 32 min
